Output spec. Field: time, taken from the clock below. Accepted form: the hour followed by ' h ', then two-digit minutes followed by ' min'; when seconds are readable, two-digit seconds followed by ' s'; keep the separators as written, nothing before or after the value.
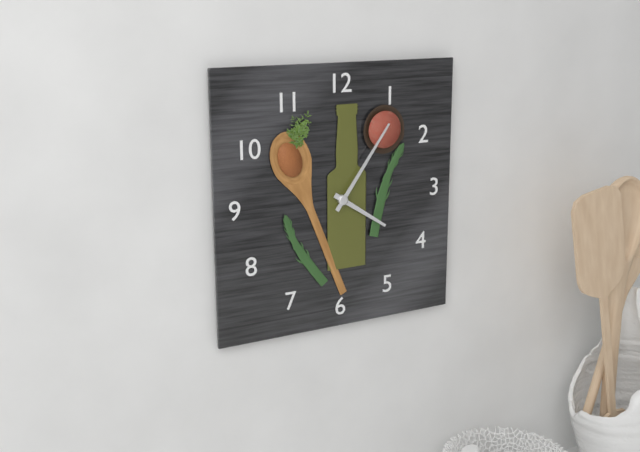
4 h 06 min
